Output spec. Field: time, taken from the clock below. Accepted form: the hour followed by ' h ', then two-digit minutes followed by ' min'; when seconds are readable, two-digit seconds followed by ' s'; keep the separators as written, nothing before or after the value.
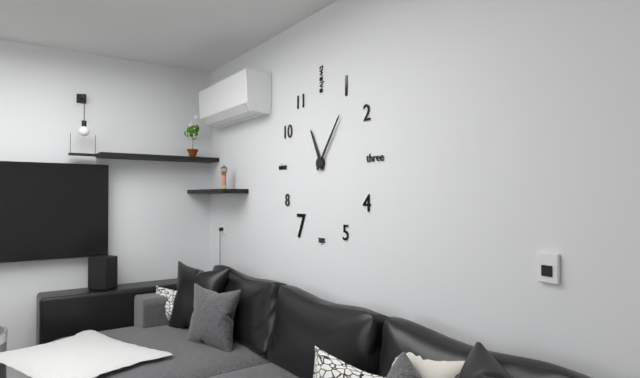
11 h 06 min
